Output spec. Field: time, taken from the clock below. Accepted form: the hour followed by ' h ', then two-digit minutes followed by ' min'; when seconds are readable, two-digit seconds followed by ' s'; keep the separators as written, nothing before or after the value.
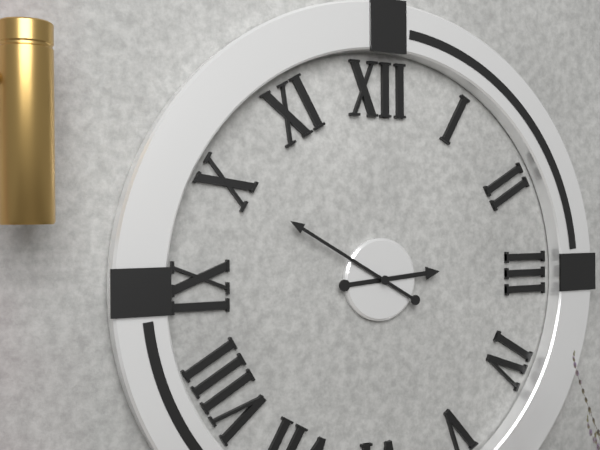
2 h 50 min
